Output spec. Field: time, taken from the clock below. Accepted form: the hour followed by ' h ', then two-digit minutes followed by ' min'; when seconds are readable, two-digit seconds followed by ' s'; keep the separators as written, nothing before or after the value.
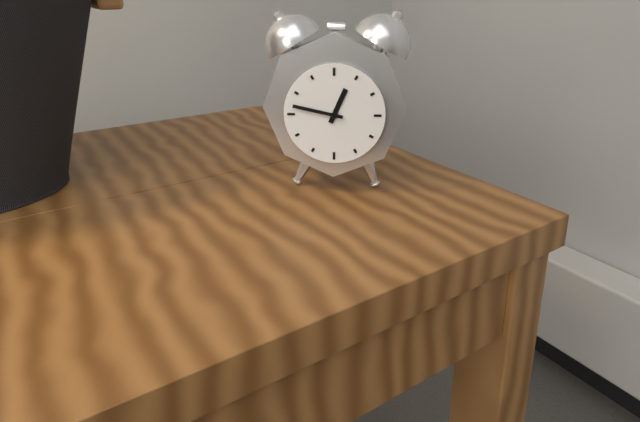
12 h 47 min
